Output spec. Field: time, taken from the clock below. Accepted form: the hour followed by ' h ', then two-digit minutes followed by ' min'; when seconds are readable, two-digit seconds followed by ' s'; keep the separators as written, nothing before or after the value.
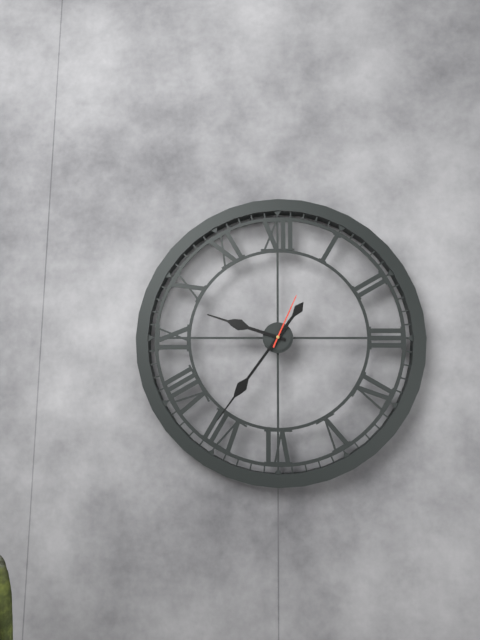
9 h 36 min 04 s
